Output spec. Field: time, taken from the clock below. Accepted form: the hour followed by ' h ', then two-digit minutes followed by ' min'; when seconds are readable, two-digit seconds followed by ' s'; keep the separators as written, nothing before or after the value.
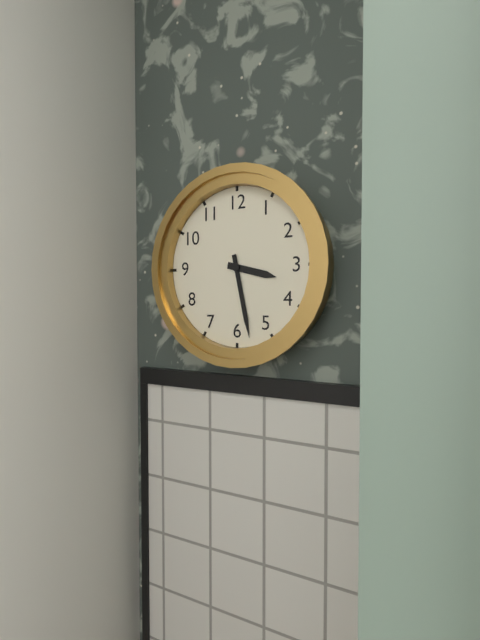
3 h 28 min
